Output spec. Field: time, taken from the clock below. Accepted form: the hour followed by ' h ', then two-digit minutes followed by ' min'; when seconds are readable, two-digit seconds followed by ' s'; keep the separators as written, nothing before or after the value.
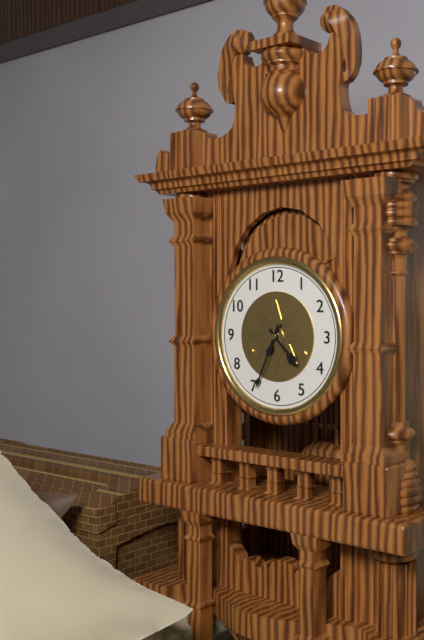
4 h 34 min
